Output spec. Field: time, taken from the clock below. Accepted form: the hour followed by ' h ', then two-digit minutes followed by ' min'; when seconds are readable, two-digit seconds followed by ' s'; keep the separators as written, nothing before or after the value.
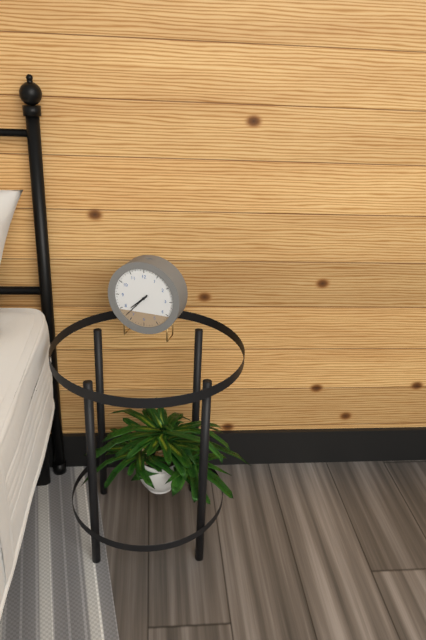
7 h 37 min
